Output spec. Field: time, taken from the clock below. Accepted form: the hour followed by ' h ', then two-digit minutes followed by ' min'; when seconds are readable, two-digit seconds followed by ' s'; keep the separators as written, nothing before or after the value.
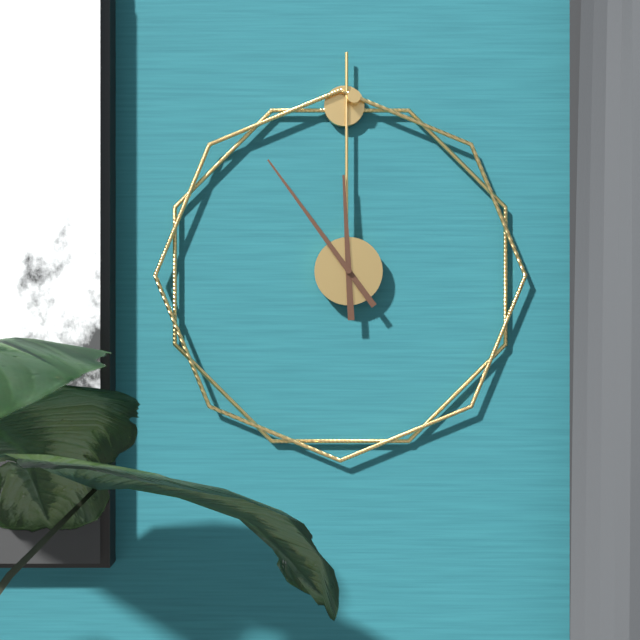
11 h 54 min
